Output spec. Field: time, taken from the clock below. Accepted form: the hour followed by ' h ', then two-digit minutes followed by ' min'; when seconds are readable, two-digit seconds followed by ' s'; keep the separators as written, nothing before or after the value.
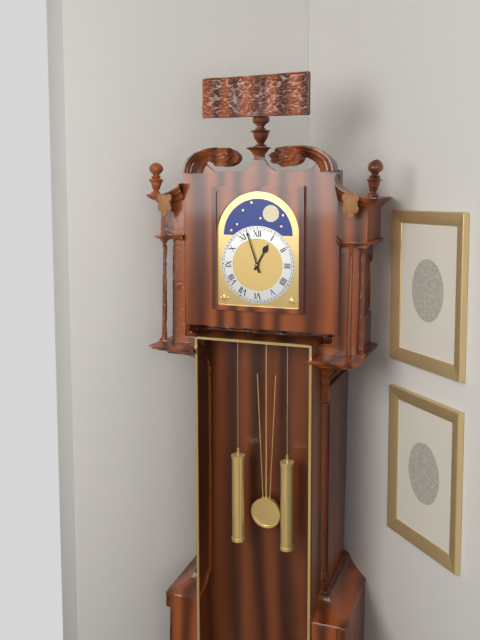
12 h 57 min
